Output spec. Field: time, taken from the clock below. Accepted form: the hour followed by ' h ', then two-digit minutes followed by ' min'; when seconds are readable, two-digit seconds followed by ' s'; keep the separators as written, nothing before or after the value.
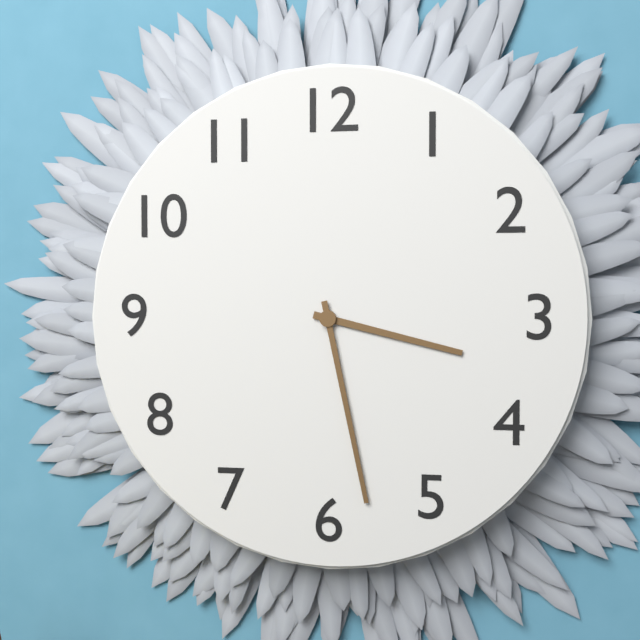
3 h 28 min
